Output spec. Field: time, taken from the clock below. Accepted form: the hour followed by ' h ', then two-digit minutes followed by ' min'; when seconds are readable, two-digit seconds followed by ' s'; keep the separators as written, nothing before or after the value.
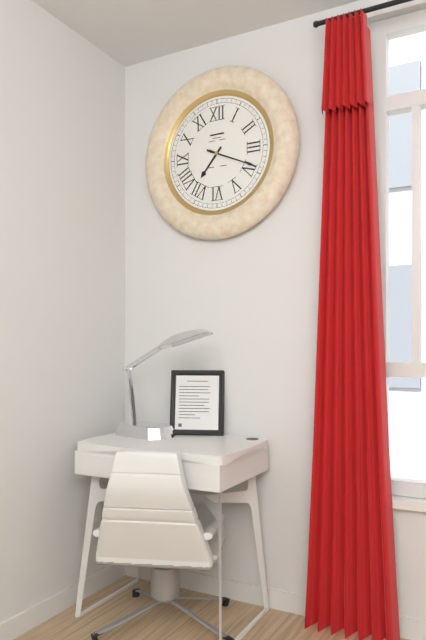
7 h 19 min
